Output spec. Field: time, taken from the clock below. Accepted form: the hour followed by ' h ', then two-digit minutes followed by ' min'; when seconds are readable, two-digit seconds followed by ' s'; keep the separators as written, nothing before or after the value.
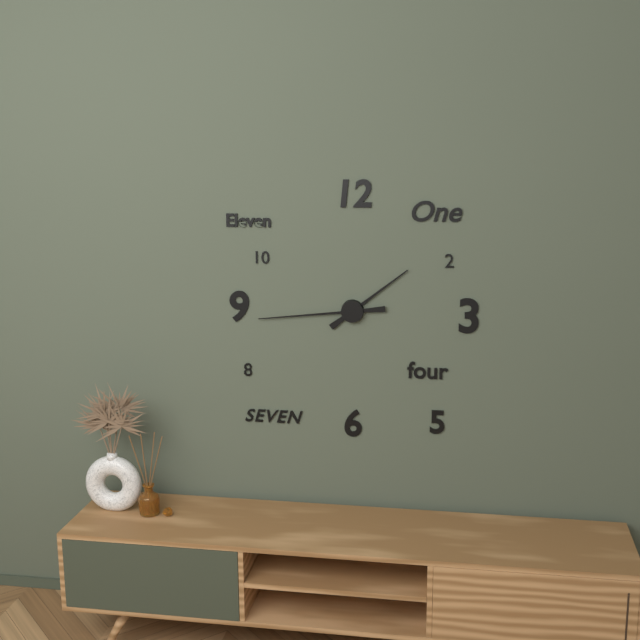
1 h 44 min
